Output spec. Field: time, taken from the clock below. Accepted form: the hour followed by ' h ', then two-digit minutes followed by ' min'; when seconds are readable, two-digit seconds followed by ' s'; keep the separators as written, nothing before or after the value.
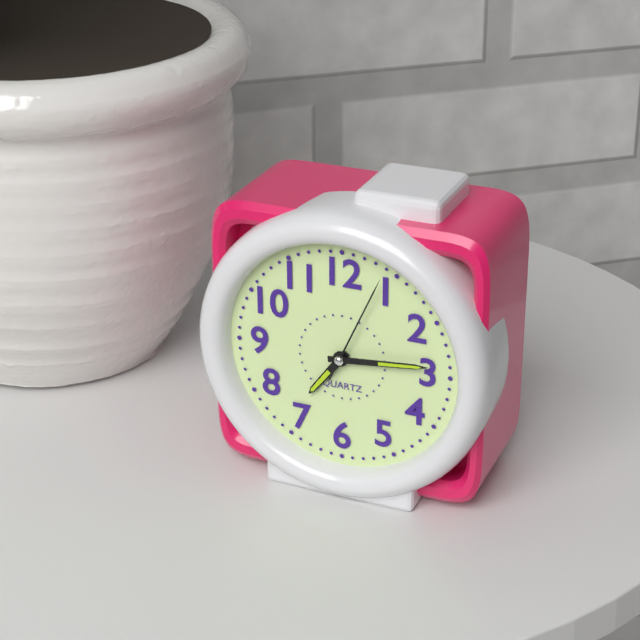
7 h 14 min 04 s
